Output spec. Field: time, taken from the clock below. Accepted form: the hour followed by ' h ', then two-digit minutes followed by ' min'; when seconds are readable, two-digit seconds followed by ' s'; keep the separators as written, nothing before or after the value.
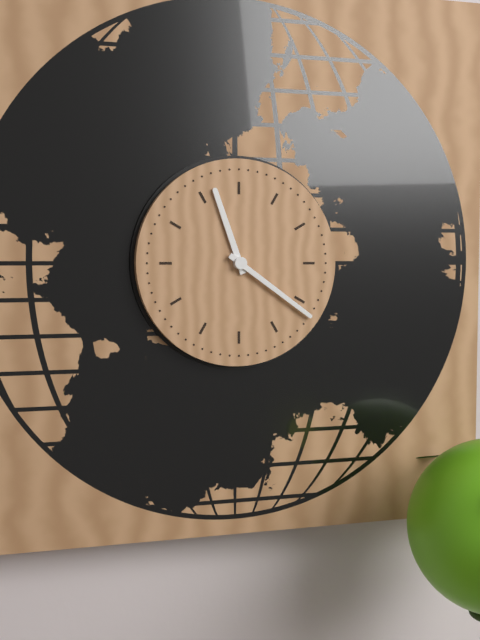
11 h 21 min
